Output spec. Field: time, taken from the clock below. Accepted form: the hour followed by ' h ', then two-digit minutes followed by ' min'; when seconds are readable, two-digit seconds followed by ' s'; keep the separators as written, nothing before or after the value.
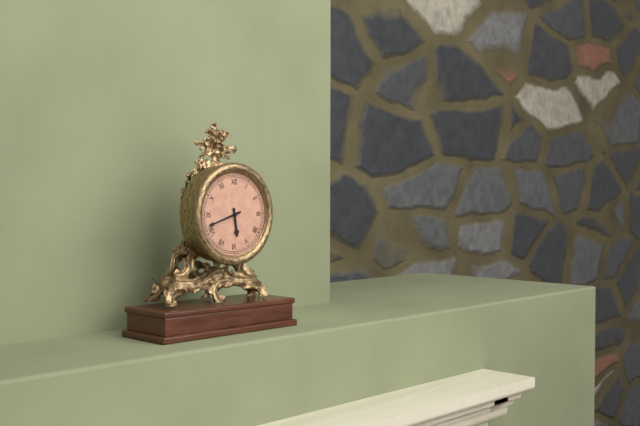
5 h 42 min
